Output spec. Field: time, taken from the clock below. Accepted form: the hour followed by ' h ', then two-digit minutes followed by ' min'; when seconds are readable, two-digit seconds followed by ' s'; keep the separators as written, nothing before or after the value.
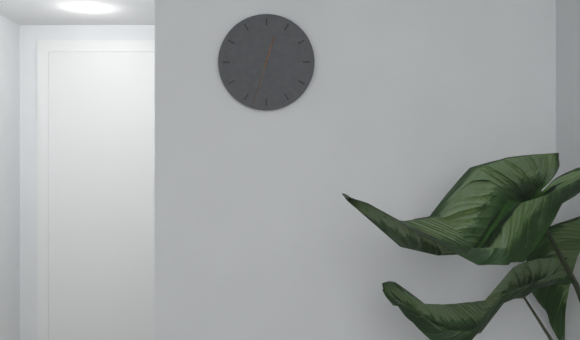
12 h 33 min
